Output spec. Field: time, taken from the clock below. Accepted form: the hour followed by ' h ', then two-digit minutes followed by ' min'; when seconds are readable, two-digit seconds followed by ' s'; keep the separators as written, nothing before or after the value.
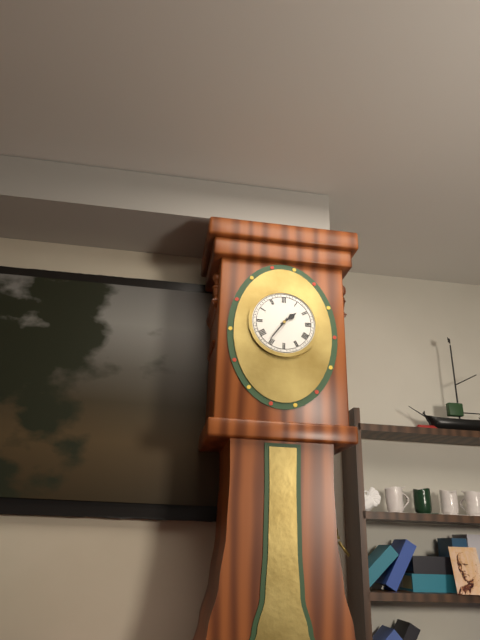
1 h 36 min
